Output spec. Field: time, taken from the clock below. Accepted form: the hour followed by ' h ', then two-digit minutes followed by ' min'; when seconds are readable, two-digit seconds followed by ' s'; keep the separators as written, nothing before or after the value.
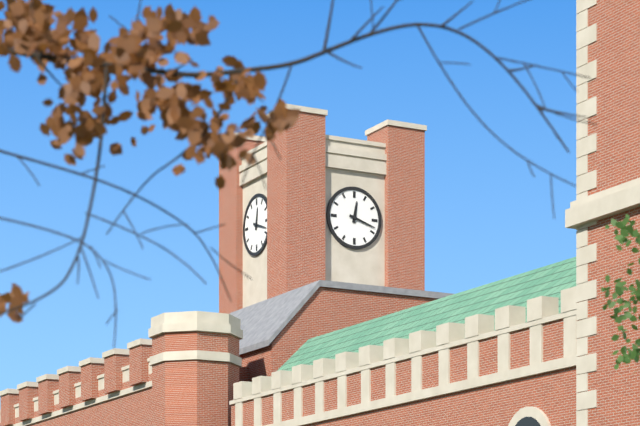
12 h 18 min
